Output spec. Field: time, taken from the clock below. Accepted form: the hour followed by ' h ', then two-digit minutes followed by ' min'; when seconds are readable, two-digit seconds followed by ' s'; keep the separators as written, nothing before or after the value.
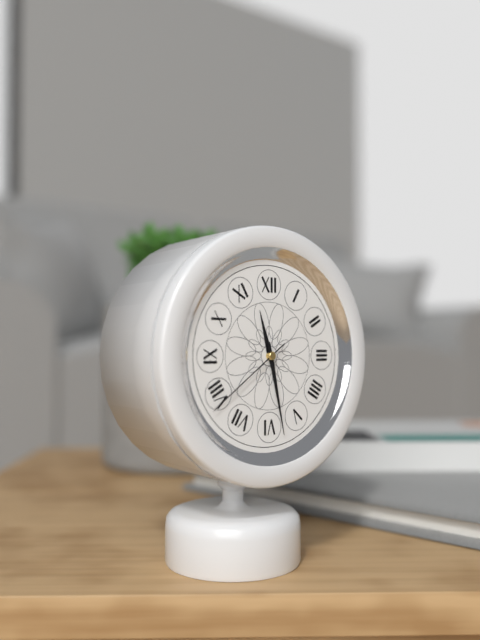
11 h 28 min 39 s
